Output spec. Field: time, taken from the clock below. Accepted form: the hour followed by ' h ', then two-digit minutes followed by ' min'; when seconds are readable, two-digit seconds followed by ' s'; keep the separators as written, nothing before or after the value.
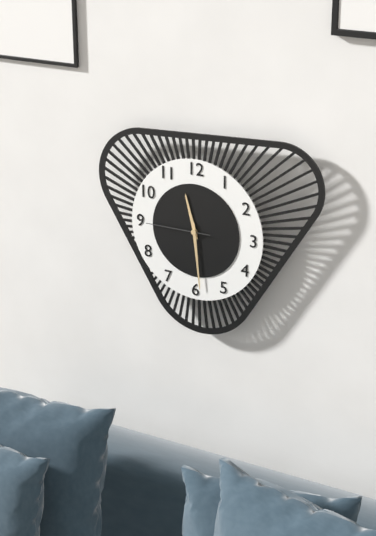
11 h 29 min 45 s
